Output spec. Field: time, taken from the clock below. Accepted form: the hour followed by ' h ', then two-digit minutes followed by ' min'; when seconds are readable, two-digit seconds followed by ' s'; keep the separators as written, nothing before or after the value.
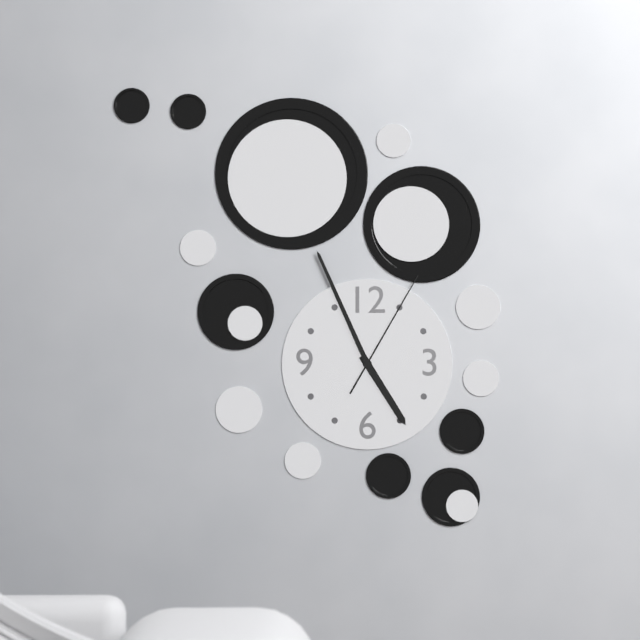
4 h 56 min 05 s
